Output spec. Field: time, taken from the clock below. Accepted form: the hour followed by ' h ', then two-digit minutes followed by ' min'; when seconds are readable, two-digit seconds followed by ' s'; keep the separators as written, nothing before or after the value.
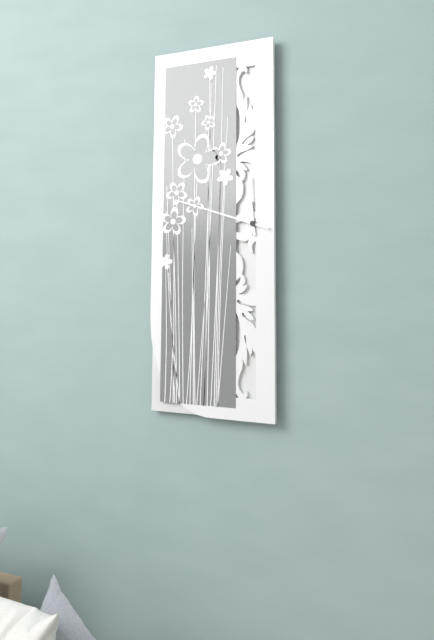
11 h 48 min
